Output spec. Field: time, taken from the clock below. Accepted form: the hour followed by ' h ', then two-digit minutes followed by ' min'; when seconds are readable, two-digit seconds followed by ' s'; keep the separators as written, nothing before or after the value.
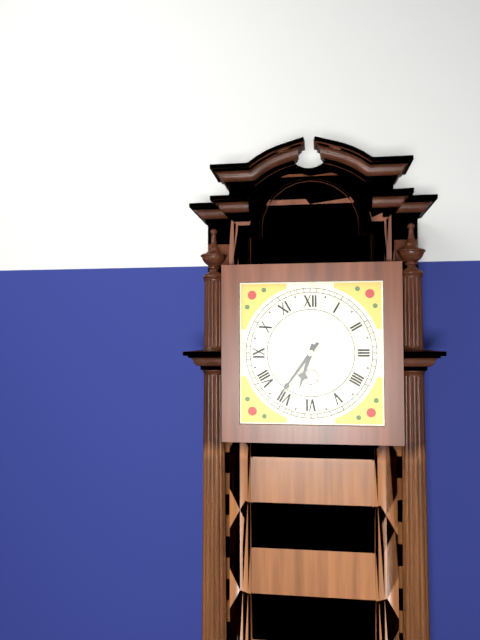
6 h 36 min
